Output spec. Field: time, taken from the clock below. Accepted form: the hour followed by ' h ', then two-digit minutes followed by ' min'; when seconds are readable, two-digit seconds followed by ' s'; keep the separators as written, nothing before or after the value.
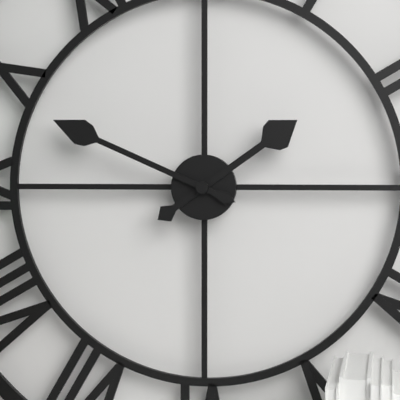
1 h 49 min
